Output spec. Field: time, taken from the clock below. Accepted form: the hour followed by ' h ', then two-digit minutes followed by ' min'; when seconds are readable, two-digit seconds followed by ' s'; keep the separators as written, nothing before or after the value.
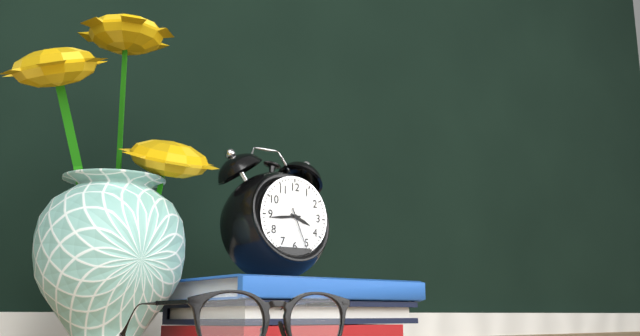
3 h 44 min
